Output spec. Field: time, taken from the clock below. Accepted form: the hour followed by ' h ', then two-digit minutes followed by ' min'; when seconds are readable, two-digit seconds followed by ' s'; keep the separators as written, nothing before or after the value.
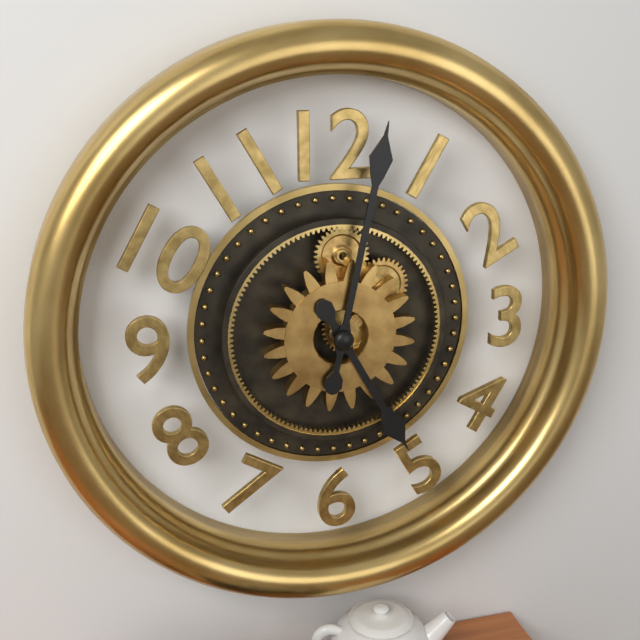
5 h 02 min
